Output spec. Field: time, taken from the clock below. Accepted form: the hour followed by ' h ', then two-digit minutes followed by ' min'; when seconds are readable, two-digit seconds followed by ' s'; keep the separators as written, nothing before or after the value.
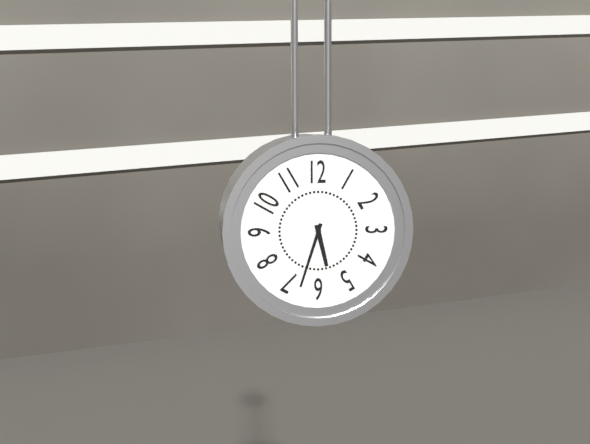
5 h 33 min
